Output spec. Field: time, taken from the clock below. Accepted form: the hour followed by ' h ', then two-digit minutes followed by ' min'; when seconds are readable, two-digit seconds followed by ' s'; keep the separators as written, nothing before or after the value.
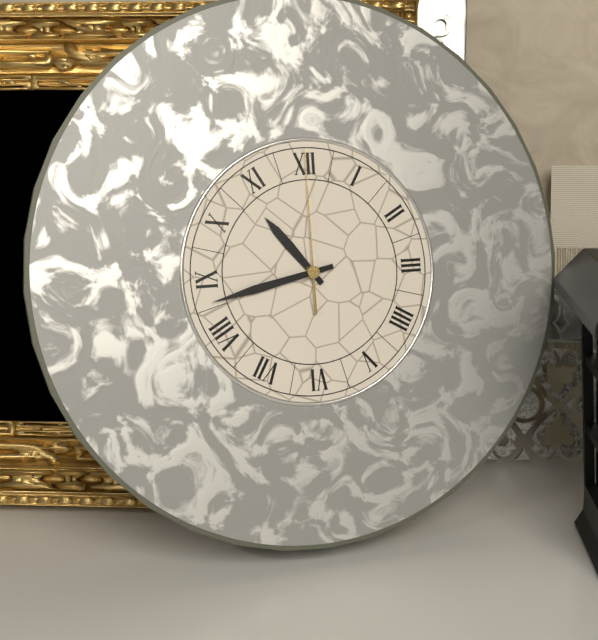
10 h 43 min 00 s
